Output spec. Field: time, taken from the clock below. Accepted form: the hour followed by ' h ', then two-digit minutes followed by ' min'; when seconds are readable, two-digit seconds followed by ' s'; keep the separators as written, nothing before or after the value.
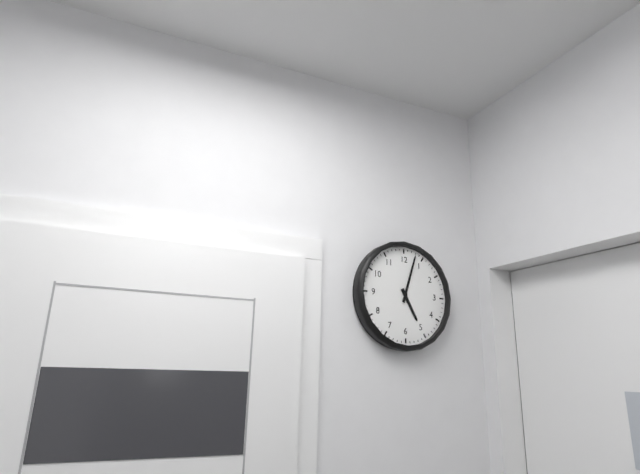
5 h 03 min
